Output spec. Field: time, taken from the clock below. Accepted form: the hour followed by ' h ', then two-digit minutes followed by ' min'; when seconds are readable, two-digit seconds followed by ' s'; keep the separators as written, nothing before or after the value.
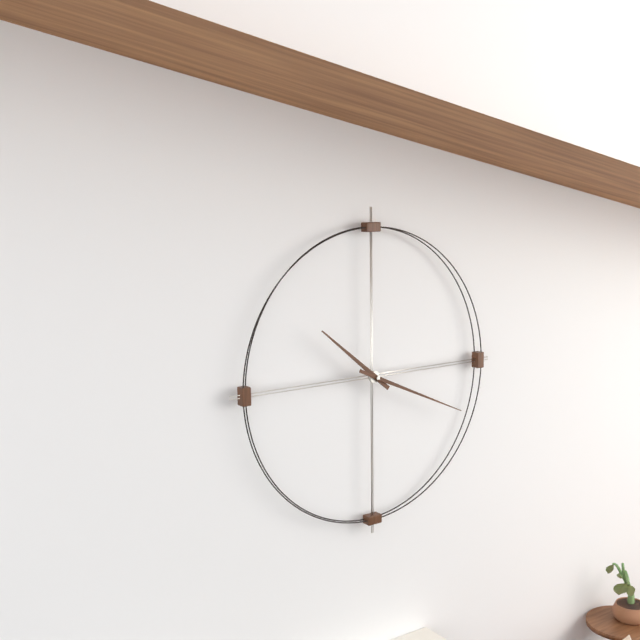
10 h 19 min
